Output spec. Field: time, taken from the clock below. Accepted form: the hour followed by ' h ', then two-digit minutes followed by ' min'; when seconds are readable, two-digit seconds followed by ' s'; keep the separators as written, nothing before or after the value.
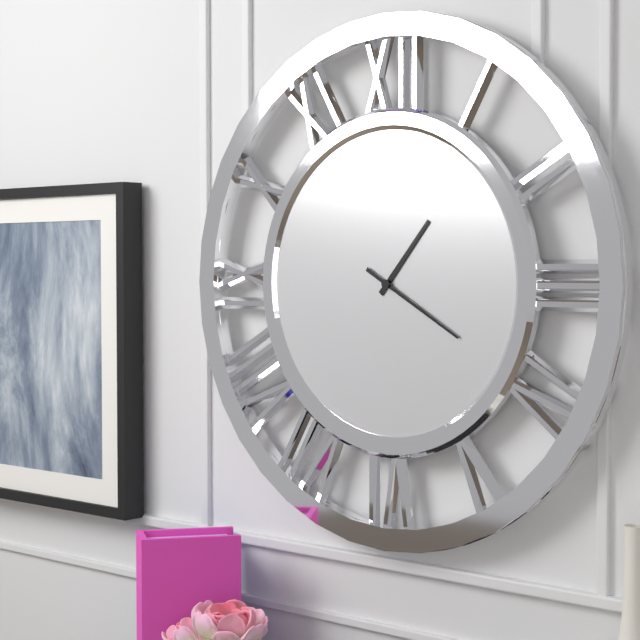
1 h 20 min
